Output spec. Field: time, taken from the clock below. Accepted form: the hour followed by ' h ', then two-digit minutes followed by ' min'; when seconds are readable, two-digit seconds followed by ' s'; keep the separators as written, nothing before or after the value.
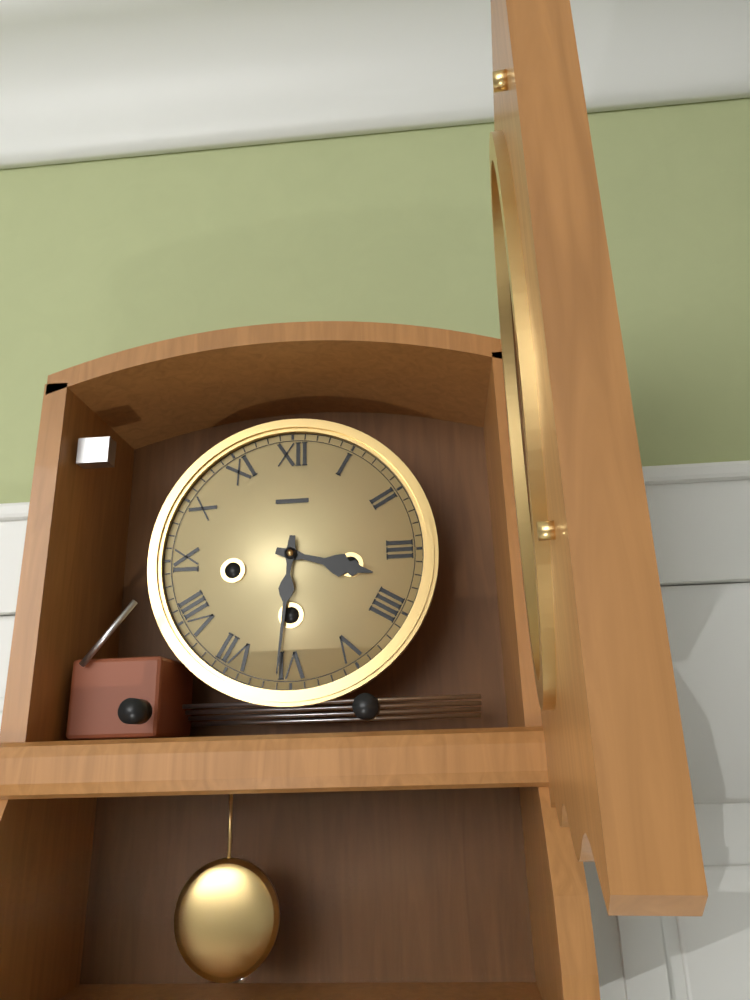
3 h 31 min
